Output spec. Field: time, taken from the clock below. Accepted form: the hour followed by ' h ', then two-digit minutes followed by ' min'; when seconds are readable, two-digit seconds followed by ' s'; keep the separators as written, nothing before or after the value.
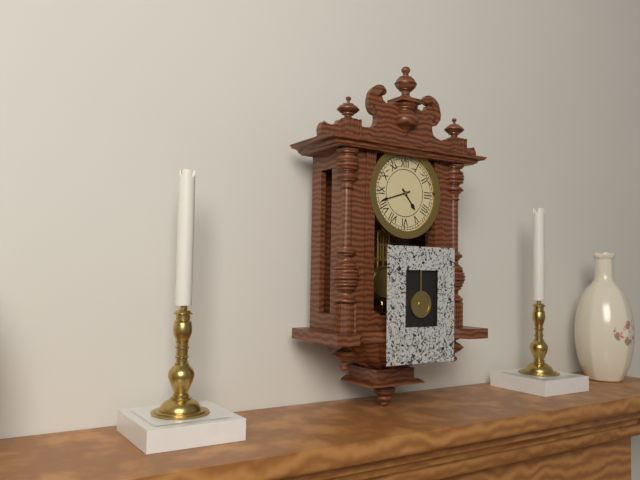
4 h 42 min
